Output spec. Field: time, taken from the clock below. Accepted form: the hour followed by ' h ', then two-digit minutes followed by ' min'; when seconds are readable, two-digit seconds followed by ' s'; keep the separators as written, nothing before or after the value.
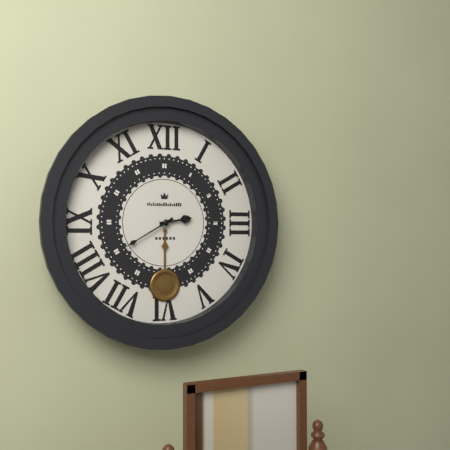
2 h 40 min
